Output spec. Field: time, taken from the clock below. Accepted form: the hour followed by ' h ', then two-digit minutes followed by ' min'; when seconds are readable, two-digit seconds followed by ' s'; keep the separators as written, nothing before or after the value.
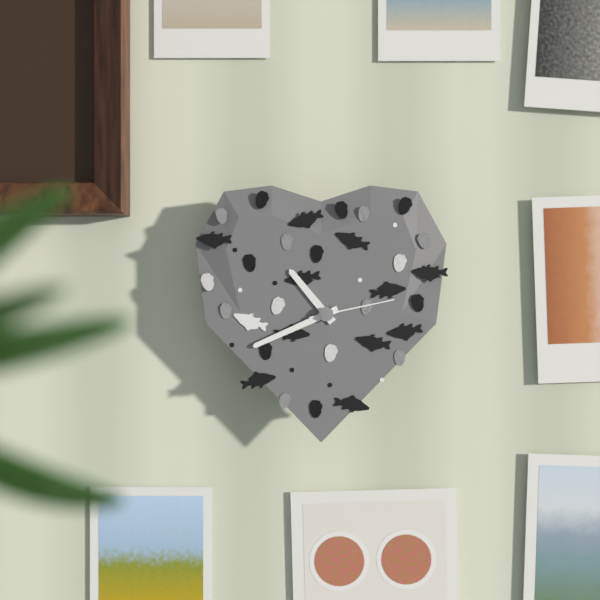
10 h 41 min 13 s
